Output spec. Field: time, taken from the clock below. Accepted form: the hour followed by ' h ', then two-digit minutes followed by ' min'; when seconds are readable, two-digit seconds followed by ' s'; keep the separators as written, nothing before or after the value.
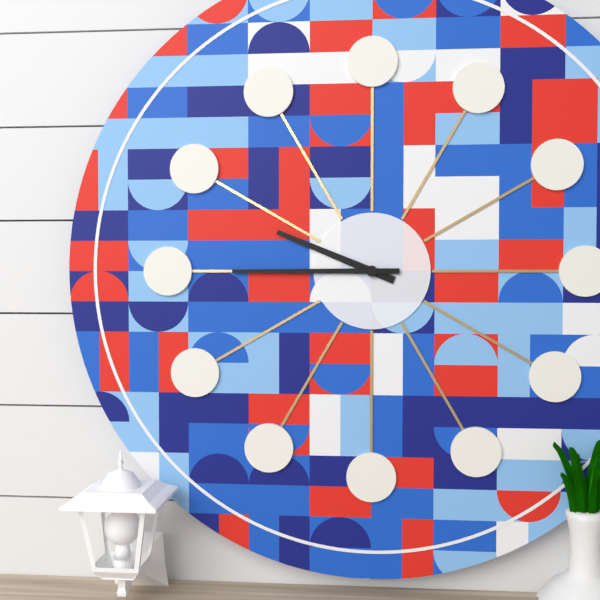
9 h 45 min
